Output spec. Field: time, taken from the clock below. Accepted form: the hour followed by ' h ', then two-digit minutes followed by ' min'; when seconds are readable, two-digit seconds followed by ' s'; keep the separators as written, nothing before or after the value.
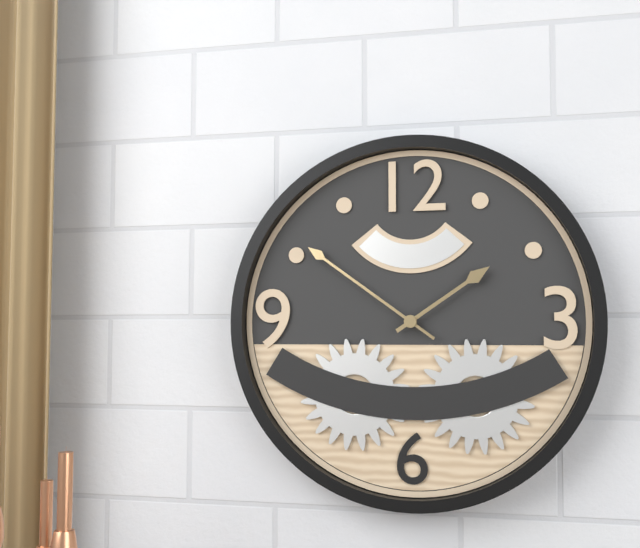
1 h 51 min
